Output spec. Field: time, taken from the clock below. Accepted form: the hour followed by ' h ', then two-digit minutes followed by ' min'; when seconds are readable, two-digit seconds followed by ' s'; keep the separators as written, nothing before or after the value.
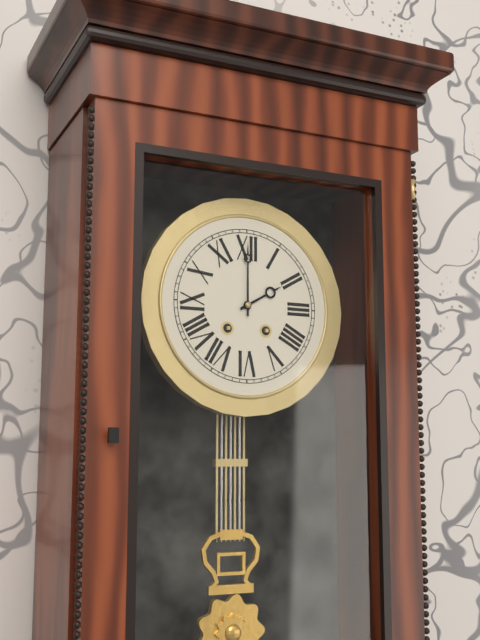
2 h 00 min
